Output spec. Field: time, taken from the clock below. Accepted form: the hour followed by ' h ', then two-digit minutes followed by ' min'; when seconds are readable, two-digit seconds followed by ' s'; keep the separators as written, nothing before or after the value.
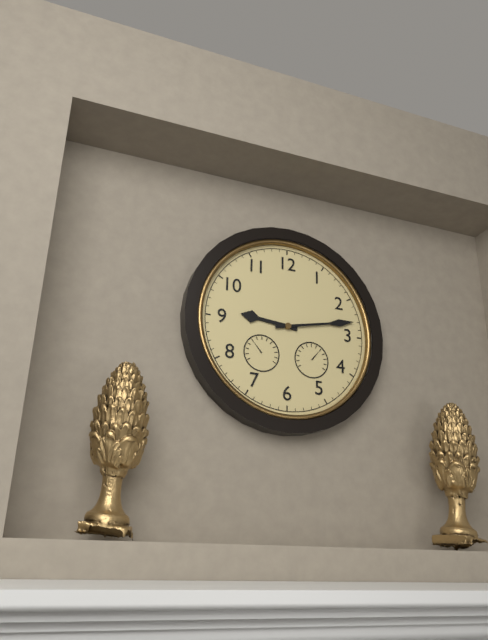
9 h 13 min
